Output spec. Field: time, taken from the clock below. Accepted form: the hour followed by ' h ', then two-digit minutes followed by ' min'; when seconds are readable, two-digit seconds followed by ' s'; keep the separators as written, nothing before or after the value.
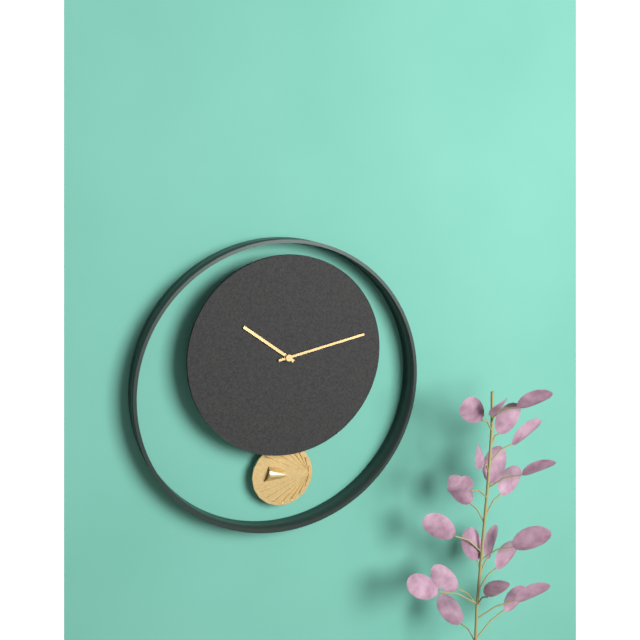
10 h 13 min
